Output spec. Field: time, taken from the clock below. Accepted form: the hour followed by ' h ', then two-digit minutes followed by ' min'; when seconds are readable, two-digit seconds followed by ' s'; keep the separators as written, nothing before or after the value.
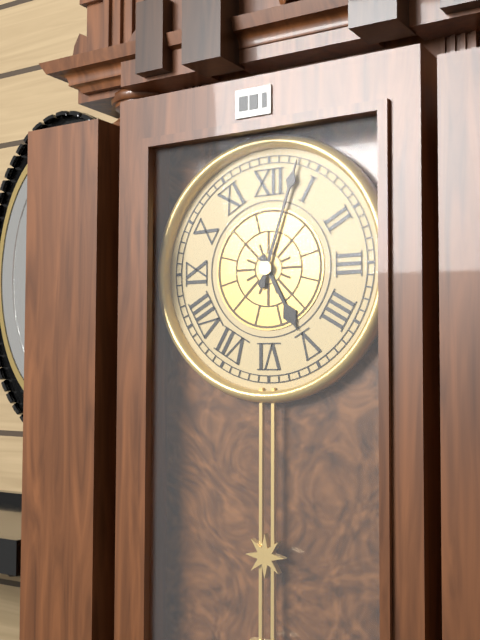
5 h 03 min
